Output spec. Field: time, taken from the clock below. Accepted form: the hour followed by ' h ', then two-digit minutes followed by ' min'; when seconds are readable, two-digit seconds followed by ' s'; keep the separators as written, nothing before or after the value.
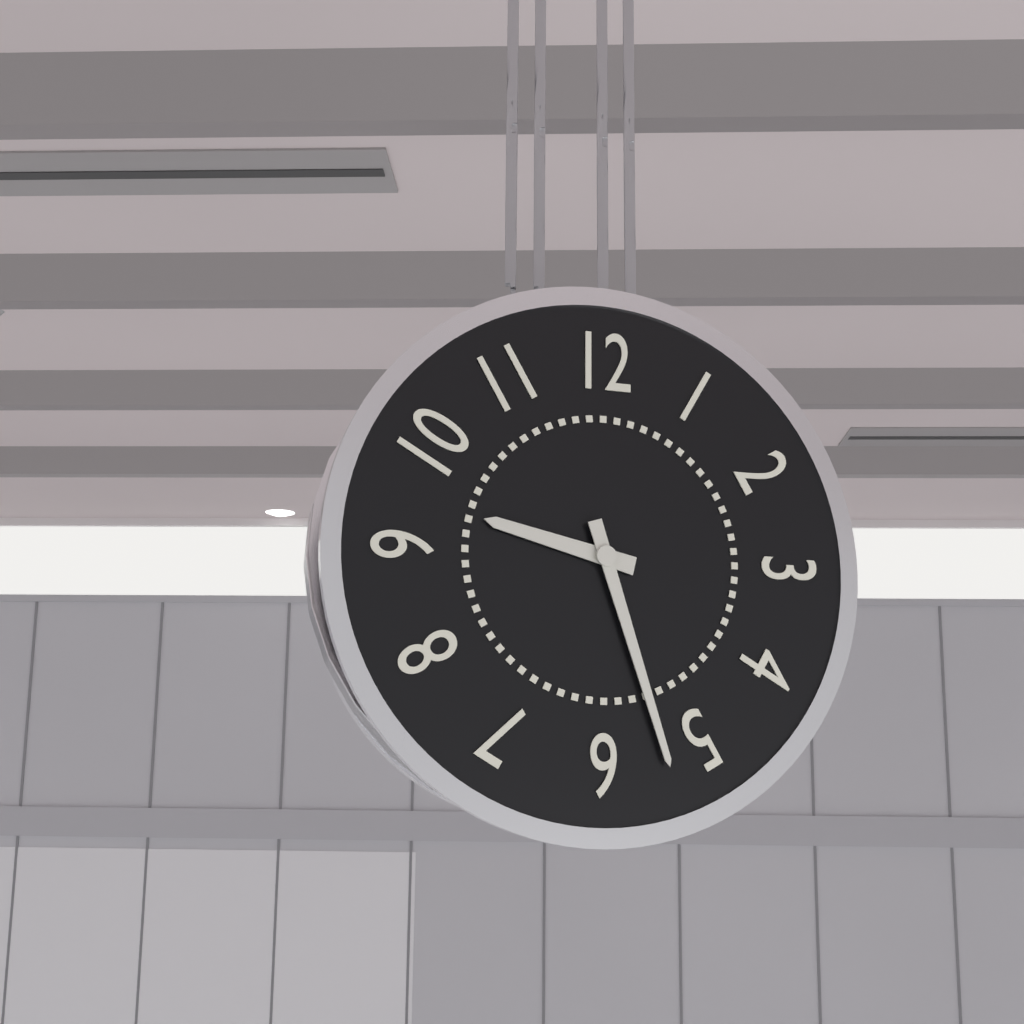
9 h 27 min
